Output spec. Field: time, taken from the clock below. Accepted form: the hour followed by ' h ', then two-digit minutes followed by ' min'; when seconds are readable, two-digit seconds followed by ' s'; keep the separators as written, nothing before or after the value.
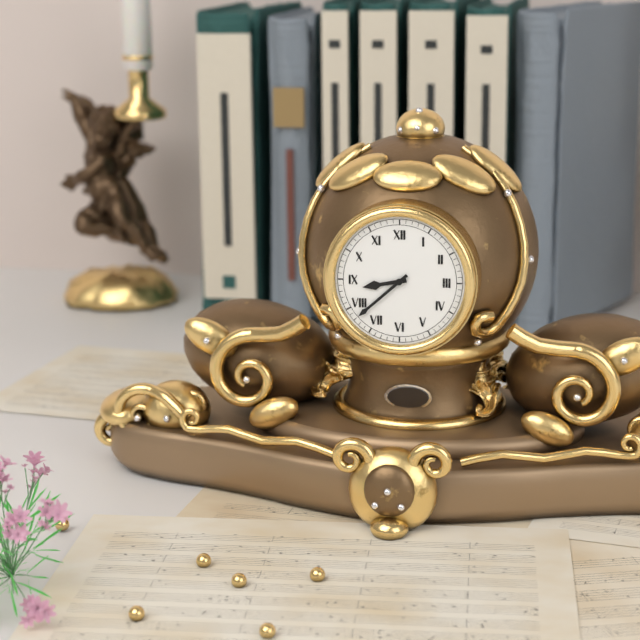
8 h 38 min
